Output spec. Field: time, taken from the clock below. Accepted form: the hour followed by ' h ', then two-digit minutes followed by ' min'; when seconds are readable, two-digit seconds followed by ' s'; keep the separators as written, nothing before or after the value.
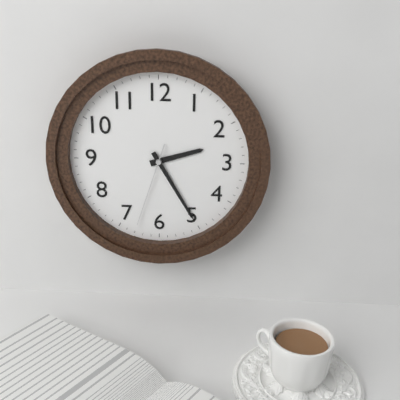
2 h 25 min 33 s
